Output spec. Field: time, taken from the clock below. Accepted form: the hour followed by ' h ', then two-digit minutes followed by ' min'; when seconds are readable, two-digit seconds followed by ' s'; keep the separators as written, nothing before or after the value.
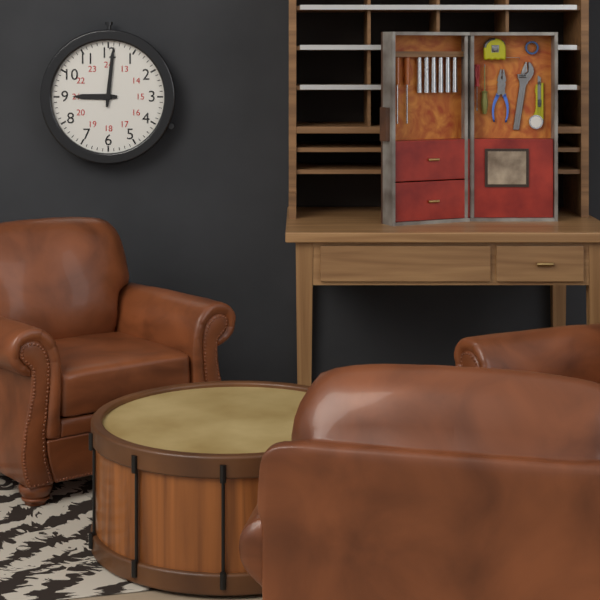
9 h 01 min
